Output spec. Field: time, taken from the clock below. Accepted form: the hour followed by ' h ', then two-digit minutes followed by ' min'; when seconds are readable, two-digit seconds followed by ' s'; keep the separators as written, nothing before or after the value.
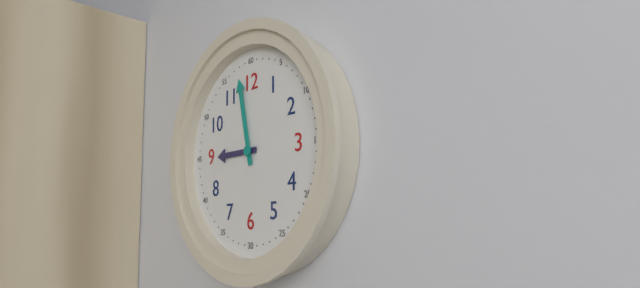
8 h 58 min
